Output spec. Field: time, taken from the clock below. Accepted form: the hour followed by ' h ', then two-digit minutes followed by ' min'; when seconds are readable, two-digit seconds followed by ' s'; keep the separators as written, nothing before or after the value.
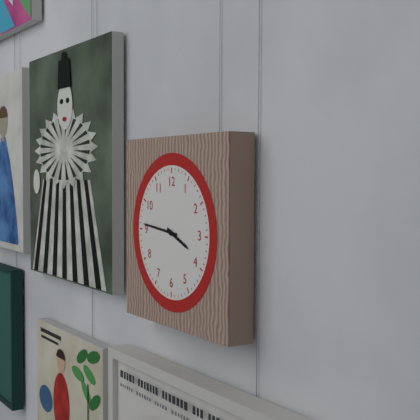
3 h 46 min
